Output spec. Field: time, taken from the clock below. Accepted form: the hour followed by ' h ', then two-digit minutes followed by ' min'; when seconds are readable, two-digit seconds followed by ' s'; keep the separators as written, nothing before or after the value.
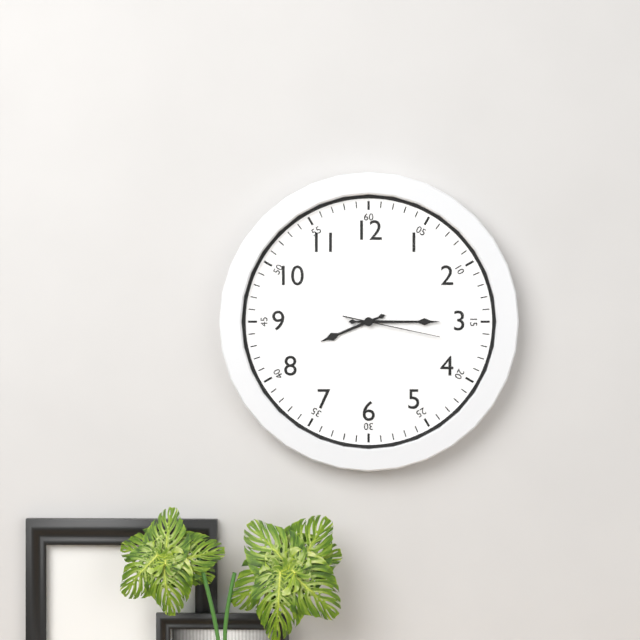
8 h 15 min 17 s
